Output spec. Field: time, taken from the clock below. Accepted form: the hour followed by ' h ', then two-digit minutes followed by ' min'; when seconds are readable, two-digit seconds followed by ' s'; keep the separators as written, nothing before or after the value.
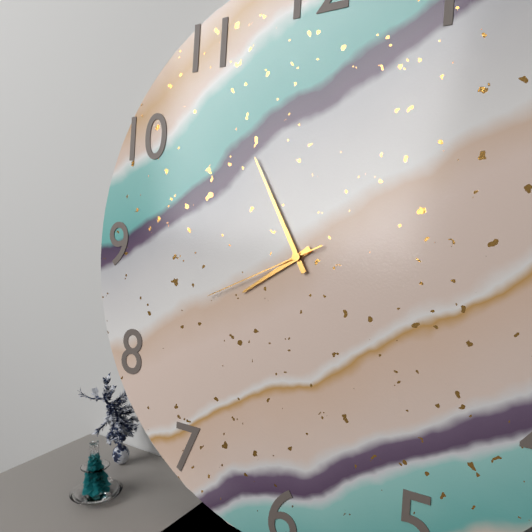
7 h 55 min 41 s
